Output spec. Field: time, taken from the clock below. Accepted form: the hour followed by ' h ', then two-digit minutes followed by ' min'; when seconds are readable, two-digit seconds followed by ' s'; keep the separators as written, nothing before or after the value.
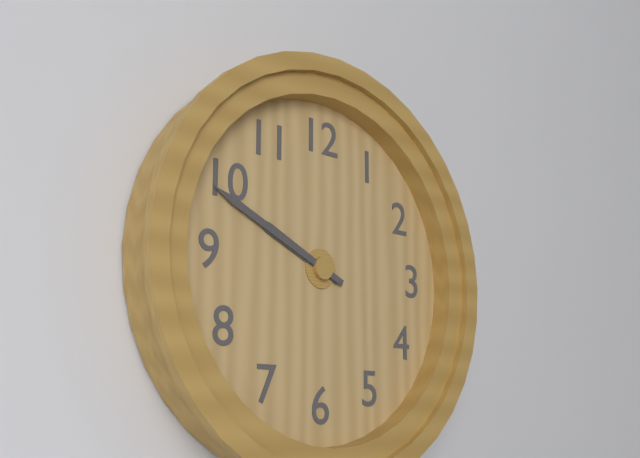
9 h 49 min
